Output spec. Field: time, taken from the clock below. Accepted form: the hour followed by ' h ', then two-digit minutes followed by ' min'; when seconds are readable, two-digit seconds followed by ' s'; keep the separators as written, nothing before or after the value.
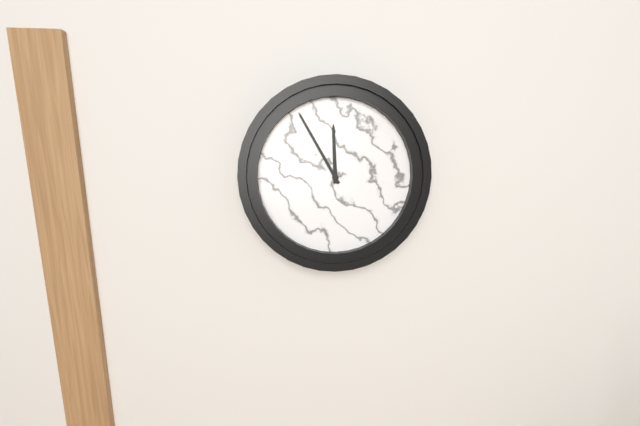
11 h 55 min
